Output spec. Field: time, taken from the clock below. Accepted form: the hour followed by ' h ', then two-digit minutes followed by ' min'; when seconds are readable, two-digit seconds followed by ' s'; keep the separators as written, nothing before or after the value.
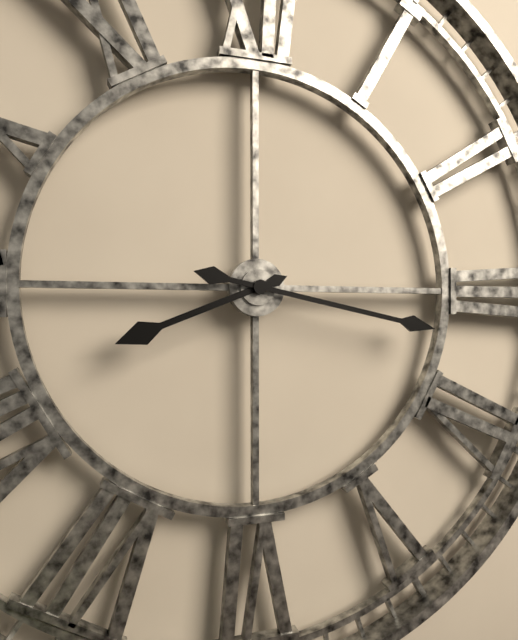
8 h 17 min
